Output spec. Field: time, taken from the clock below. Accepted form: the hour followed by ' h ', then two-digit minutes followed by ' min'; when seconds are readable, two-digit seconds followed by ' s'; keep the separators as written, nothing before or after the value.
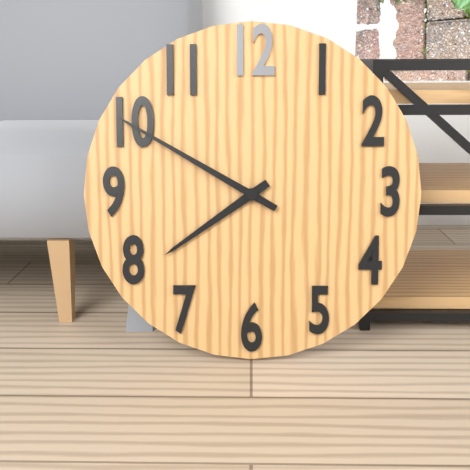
7 h 50 min
